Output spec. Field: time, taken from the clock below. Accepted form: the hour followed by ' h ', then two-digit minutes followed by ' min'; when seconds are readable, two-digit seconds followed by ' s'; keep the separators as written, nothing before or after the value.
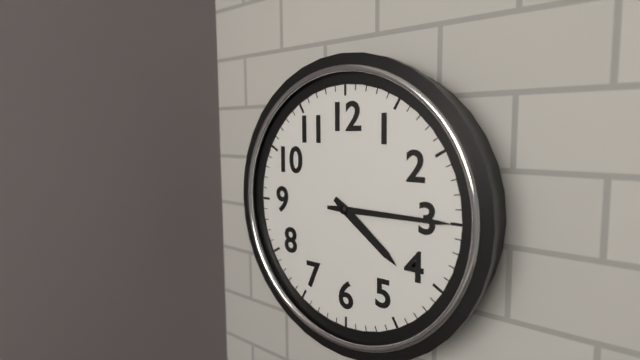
4 h 15 min
